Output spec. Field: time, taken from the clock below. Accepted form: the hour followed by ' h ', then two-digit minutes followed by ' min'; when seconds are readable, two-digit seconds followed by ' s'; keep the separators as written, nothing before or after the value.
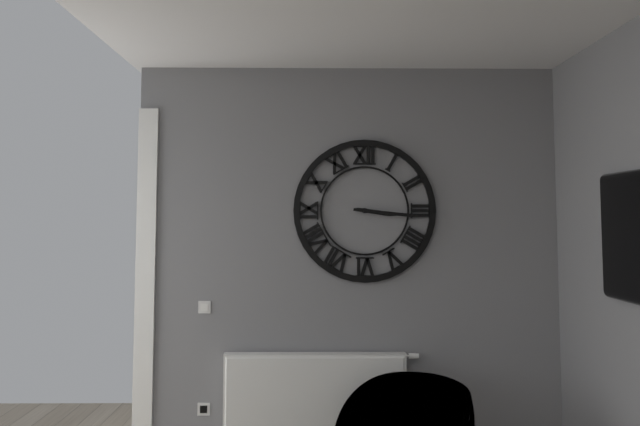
3 h 16 min
